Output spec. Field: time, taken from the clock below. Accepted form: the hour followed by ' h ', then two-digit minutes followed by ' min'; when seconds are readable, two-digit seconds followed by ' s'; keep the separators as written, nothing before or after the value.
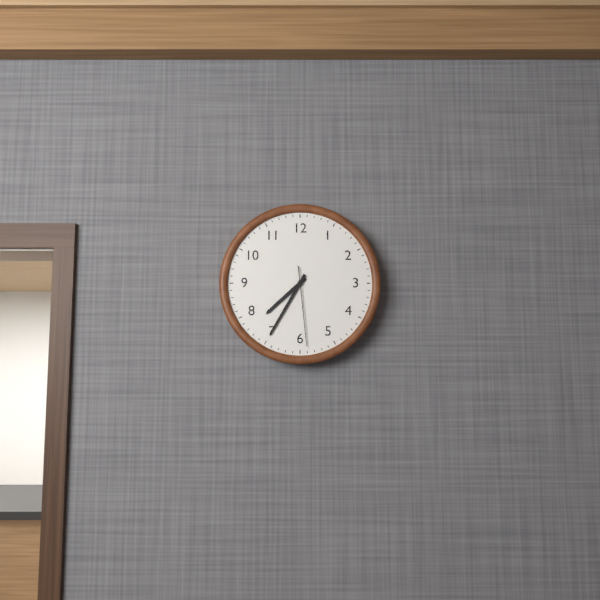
7 h 35 min 29 s
